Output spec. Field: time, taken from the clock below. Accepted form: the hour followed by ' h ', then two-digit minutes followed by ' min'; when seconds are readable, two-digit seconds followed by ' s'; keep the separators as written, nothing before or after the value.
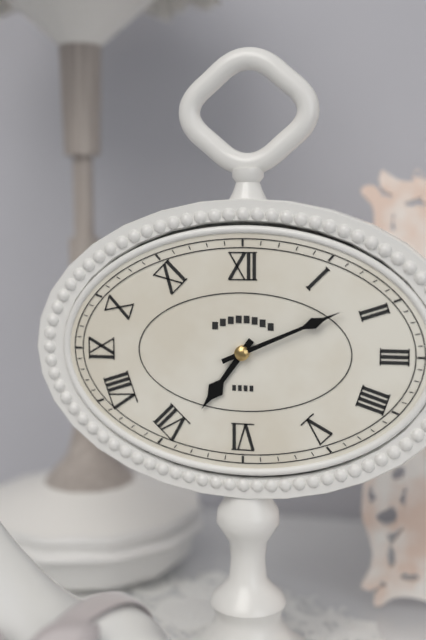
7 h 11 min
